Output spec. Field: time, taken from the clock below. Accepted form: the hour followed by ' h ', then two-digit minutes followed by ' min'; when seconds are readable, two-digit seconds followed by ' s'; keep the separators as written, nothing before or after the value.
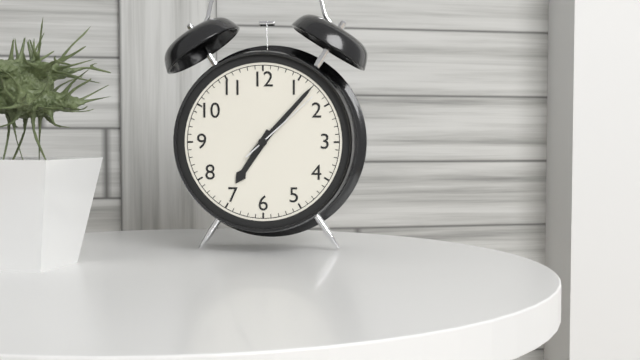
7 h 07 min 08 s
